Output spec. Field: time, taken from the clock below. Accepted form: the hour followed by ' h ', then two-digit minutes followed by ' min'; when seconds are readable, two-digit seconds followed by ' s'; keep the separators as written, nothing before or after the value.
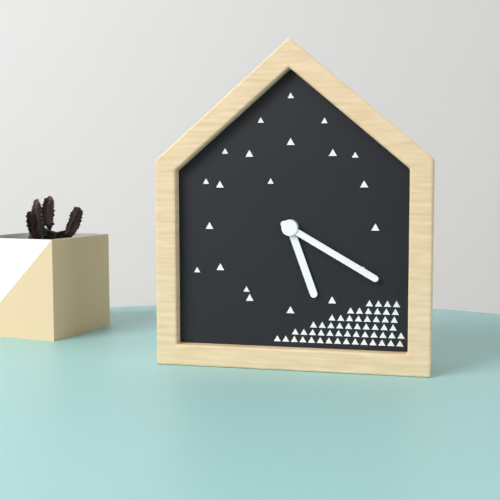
5 h 20 min
